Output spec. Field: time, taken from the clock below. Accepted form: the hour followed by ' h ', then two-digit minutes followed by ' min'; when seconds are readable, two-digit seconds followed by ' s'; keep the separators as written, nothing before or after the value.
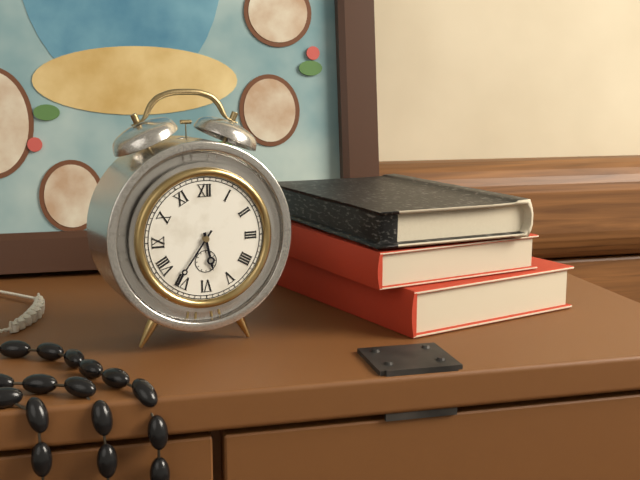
5 h 36 min
